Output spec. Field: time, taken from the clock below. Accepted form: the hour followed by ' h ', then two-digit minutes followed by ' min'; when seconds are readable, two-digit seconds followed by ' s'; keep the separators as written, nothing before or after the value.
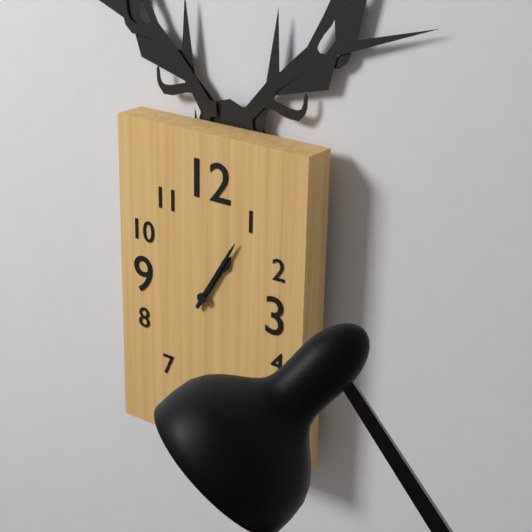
1 h 05 min
